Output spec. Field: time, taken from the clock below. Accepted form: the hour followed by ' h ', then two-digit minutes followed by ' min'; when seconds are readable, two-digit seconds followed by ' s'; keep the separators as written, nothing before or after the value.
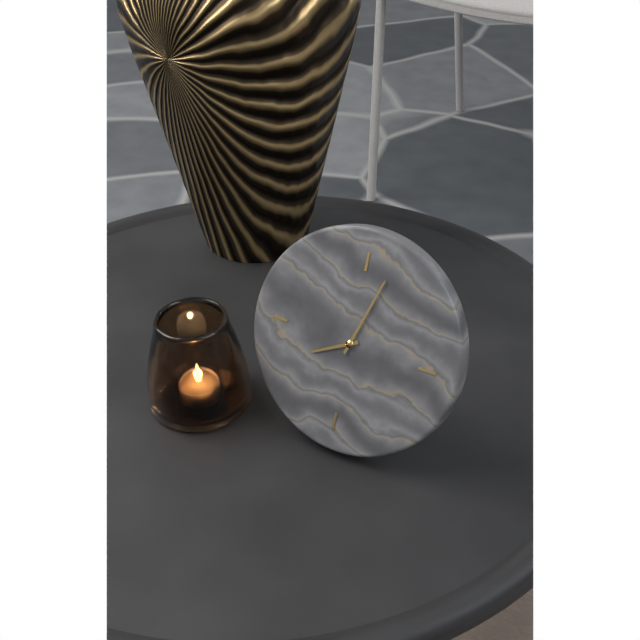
8 h 03 min
